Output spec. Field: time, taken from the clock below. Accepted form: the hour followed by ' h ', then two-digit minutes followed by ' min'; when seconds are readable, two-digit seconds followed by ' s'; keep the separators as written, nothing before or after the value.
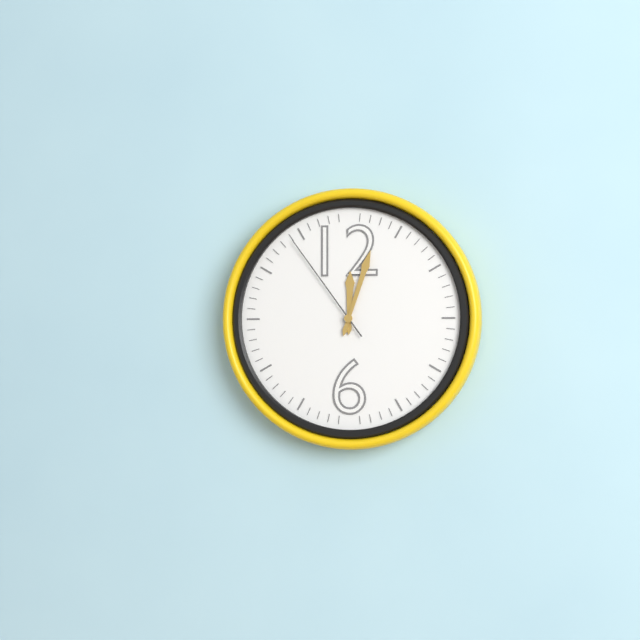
12 h 03 min 54 s
